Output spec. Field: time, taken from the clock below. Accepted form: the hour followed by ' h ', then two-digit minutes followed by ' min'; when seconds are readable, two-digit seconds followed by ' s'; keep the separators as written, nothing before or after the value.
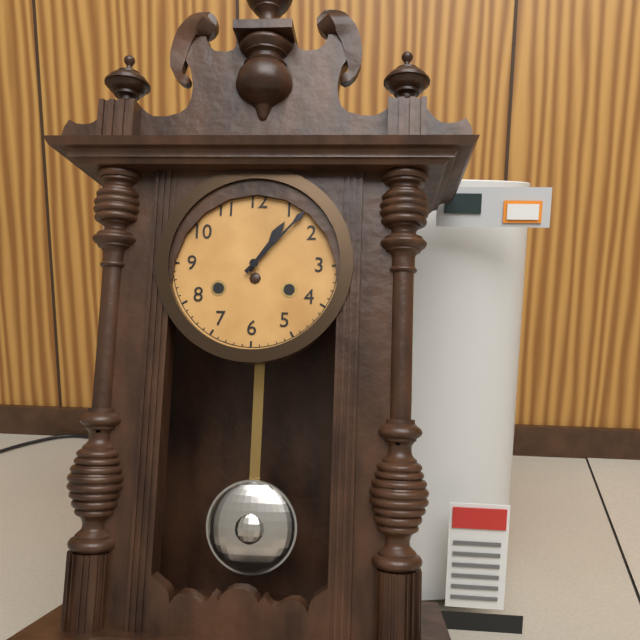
1 h 07 min
